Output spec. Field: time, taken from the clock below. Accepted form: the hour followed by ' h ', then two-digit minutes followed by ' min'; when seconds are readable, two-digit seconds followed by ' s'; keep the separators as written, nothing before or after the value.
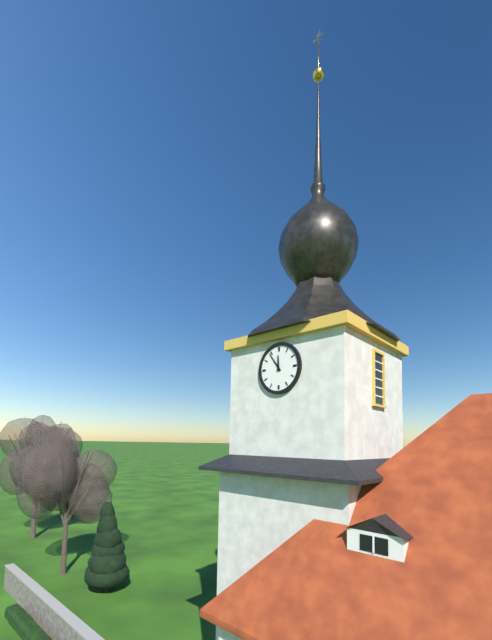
11 h 54 min
